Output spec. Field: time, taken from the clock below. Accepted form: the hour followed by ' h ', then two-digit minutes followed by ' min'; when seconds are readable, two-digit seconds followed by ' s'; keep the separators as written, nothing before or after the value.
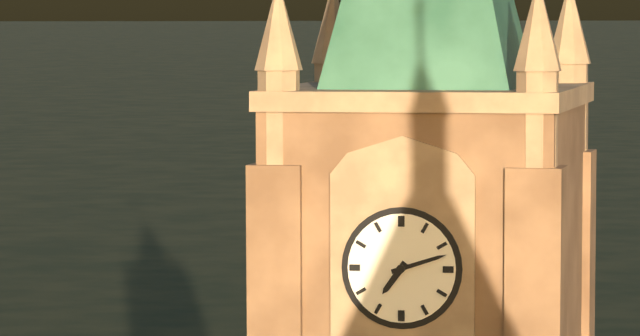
7 h 12 min
